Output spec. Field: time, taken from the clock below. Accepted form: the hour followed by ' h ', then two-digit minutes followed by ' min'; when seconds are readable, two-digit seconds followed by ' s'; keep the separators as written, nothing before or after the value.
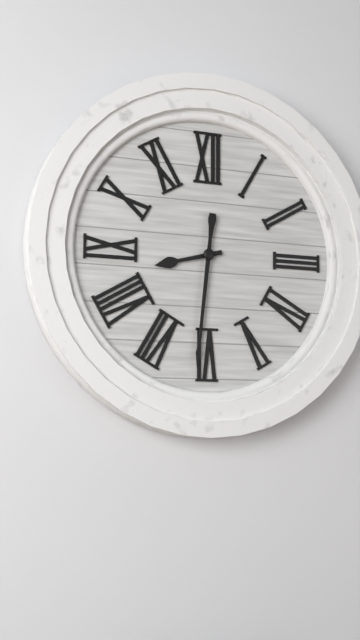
8 h 31 min
